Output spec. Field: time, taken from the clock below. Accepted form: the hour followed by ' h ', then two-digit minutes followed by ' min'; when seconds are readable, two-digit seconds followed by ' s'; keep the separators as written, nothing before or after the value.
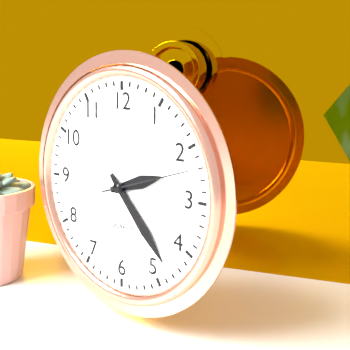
2 h 23 min 12 s
